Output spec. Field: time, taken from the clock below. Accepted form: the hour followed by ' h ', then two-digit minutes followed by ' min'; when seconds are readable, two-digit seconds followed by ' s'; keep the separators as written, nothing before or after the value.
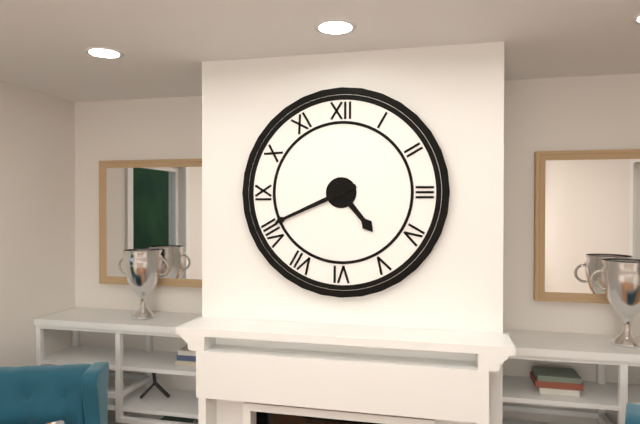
4 h 41 min
